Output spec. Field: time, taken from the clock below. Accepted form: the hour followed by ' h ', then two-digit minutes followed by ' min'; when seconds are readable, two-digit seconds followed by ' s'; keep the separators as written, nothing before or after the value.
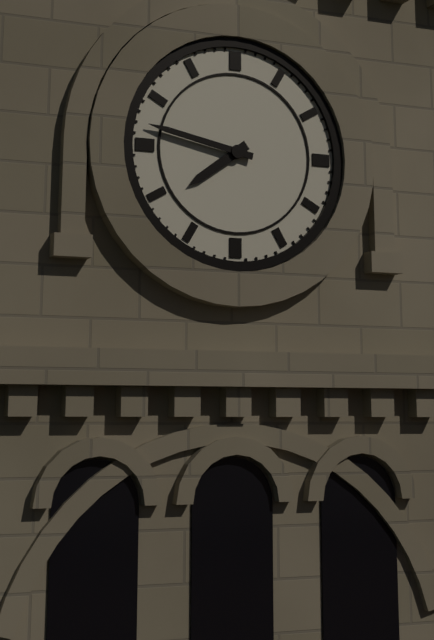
7 h 47 min
